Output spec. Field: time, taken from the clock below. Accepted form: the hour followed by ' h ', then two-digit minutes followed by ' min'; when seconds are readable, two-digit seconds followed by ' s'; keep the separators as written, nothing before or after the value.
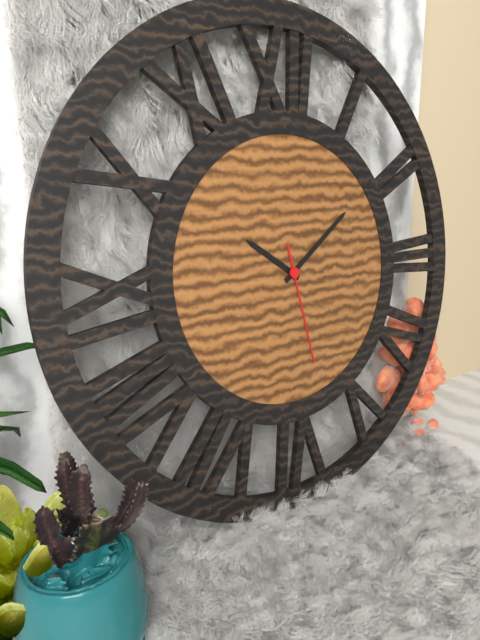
10 h 09 min 28 s
